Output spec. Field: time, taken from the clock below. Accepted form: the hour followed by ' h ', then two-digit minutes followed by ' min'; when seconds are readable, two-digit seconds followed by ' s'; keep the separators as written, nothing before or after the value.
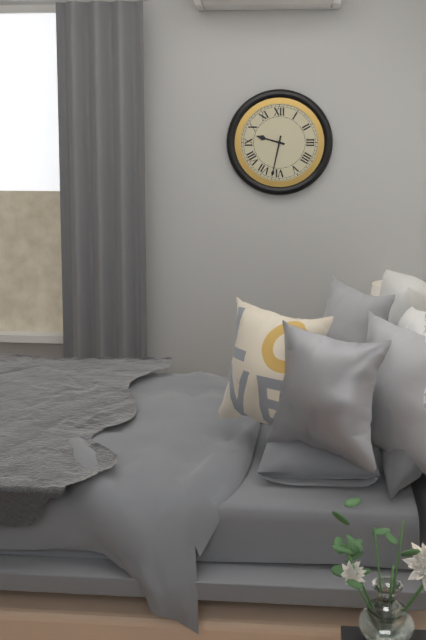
9 h 32 min
